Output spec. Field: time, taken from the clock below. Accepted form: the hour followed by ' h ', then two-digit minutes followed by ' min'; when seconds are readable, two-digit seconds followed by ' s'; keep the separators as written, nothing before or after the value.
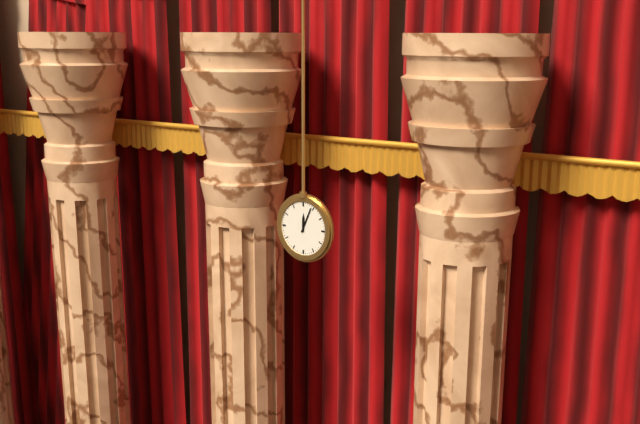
12 h 04 min
